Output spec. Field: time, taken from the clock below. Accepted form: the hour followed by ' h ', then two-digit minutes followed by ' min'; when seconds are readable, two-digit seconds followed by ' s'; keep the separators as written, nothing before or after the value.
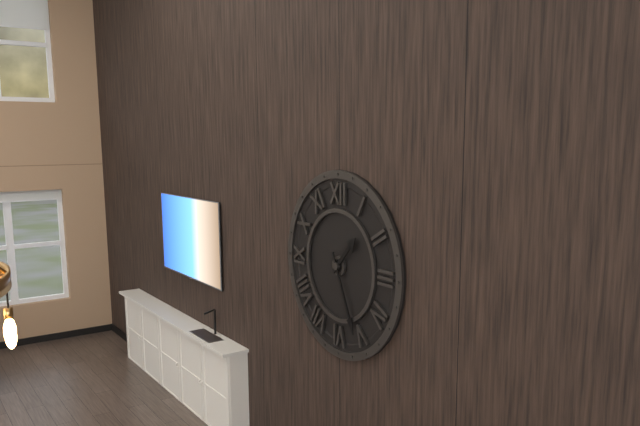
1 h 26 min
